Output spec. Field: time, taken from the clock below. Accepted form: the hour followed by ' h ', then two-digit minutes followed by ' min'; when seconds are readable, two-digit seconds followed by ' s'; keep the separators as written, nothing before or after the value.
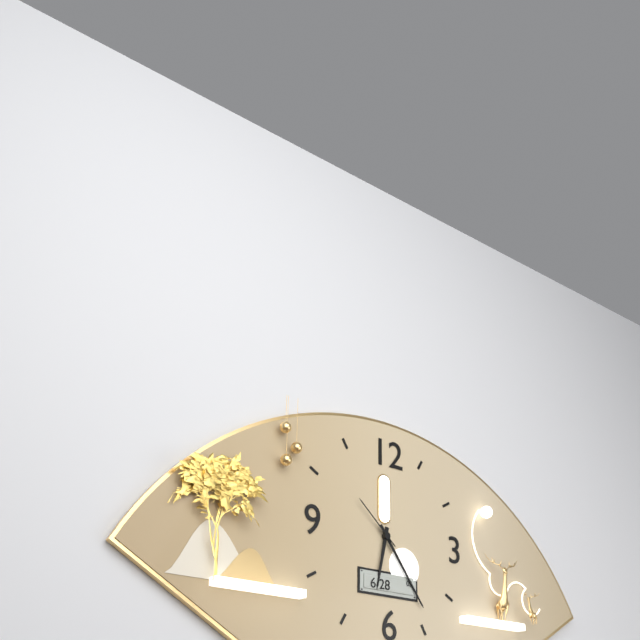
6 h 24 min 52 s
